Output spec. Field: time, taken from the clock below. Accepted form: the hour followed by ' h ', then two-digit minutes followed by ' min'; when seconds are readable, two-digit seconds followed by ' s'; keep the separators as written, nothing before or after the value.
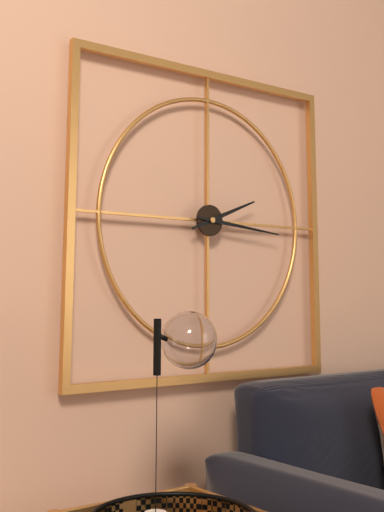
2 h 16 min
